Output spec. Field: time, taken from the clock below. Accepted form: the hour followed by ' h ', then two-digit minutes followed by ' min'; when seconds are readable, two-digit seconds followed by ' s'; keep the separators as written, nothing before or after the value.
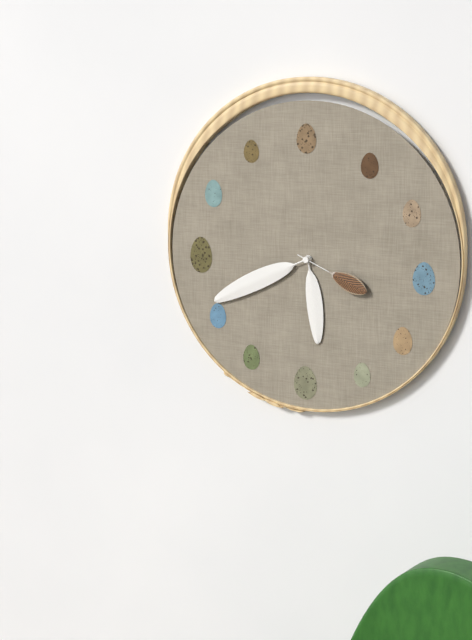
5 h 41 min 19 s
